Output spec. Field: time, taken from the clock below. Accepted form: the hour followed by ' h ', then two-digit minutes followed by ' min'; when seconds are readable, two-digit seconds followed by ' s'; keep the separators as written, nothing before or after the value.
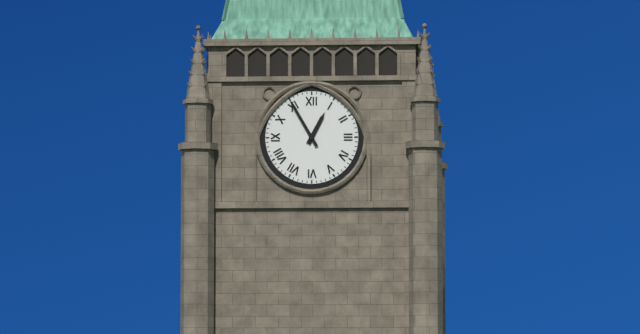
12 h 55 min
